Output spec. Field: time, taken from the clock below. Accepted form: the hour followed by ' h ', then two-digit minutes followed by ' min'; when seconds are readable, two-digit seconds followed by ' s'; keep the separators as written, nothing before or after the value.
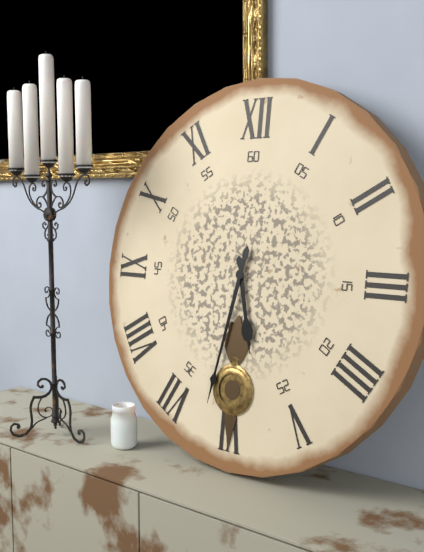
5 h 32 min
